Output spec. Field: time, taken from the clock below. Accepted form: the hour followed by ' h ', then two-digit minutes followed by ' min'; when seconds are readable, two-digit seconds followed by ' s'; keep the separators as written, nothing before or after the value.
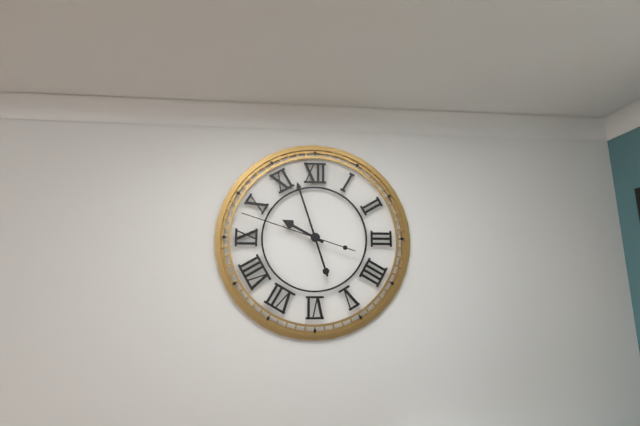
9 h 57 min 48 s
